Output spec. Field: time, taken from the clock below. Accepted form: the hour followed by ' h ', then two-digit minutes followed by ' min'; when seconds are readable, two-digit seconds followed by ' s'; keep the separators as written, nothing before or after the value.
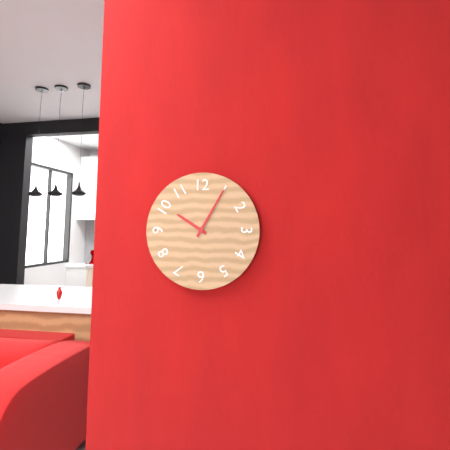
10 h 05 min
